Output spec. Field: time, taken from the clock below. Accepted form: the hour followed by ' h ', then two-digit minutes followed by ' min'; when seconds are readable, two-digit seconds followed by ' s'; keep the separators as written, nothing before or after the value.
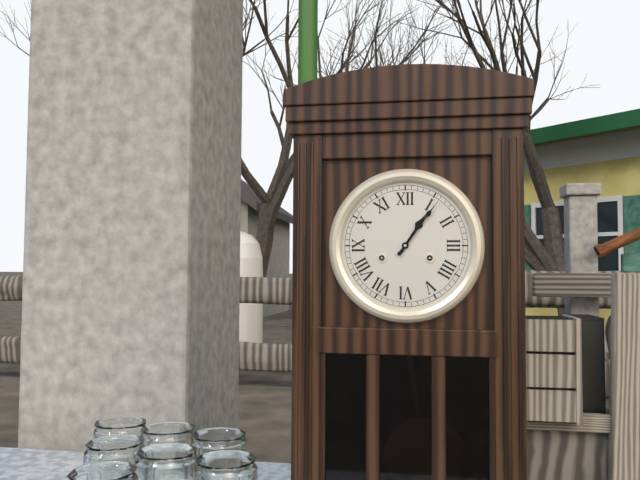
1 h 06 min
